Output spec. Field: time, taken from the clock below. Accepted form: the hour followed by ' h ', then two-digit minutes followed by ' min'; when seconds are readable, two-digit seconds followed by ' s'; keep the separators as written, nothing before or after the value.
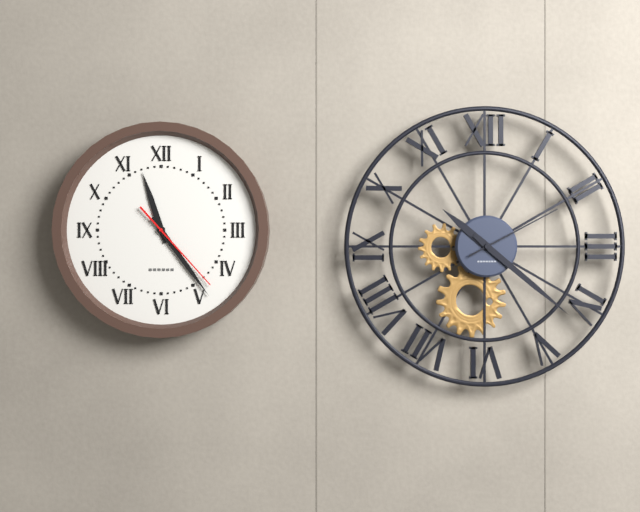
11 h 24 min 23 s
